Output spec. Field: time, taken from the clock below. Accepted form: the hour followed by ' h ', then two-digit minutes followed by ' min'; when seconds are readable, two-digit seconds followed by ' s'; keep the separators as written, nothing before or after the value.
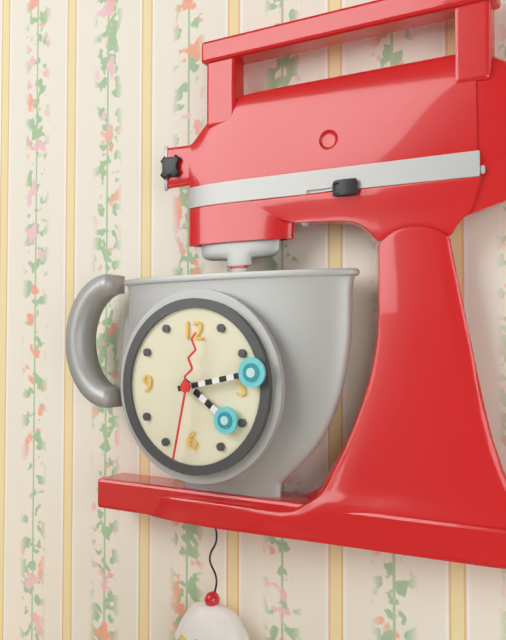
4 h 13 min 32 s
